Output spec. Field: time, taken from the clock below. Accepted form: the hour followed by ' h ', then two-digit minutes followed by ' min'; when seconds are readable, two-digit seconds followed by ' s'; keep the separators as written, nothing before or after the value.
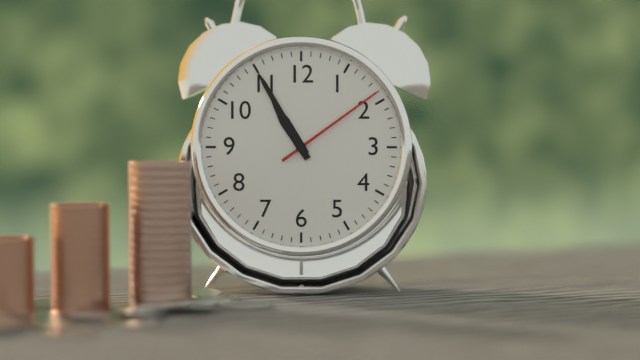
10 h 55 min 09 s
